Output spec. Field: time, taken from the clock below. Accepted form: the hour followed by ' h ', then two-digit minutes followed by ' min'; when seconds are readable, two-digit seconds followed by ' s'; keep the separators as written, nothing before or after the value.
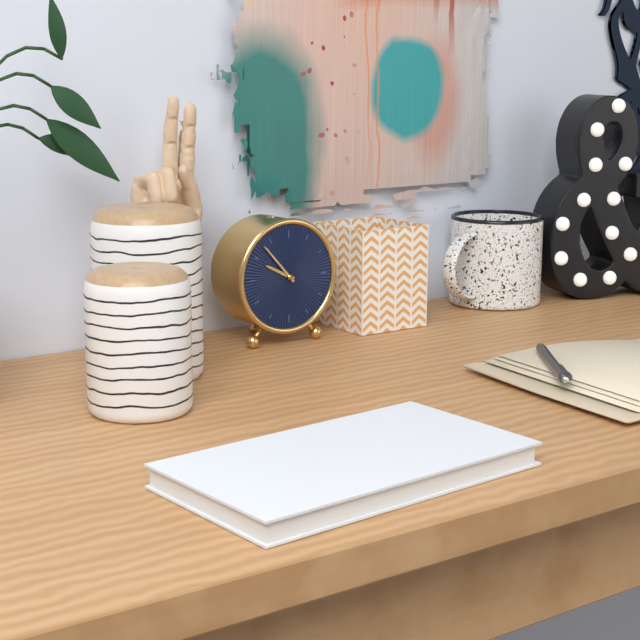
9 h 53 min
